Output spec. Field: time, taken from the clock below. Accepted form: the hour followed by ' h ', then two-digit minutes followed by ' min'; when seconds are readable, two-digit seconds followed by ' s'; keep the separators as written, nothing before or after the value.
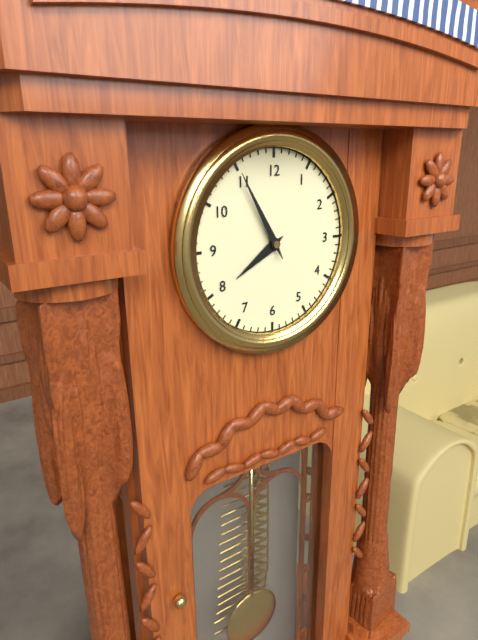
7 h 55 min
